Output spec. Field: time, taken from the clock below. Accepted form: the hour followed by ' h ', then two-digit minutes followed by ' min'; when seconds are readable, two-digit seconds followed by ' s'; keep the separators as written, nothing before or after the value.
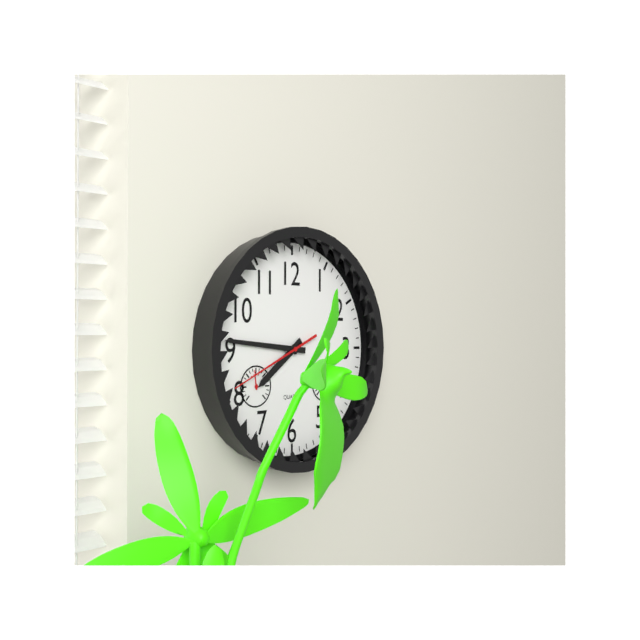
7 h 46 min 41 s
